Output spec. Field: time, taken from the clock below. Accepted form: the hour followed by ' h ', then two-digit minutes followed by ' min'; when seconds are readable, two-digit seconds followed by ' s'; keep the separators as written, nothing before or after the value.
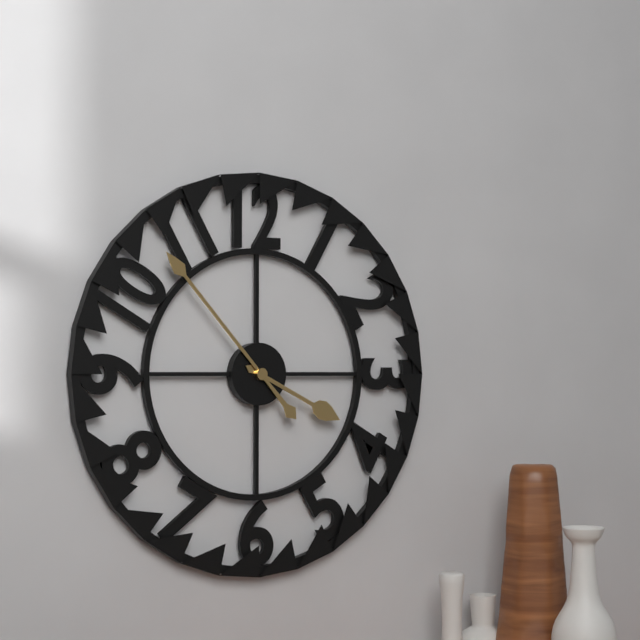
3 h 53 min
